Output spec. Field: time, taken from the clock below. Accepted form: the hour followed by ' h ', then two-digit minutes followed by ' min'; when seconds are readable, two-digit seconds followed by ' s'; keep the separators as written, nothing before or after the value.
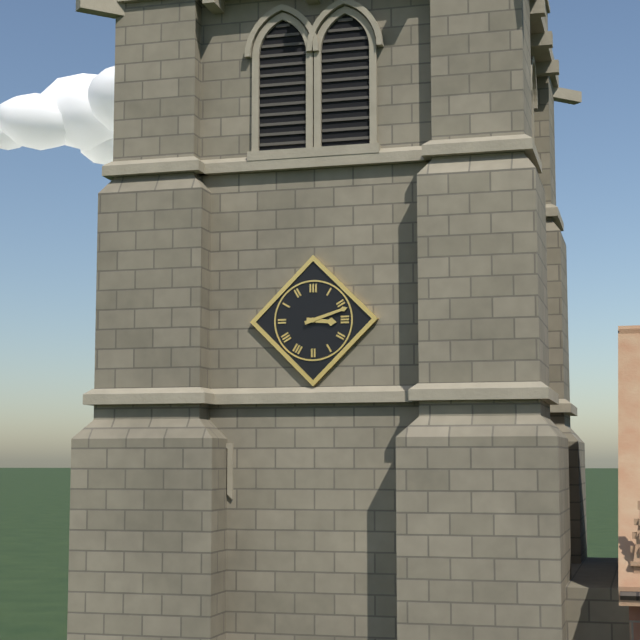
3 h 12 min
